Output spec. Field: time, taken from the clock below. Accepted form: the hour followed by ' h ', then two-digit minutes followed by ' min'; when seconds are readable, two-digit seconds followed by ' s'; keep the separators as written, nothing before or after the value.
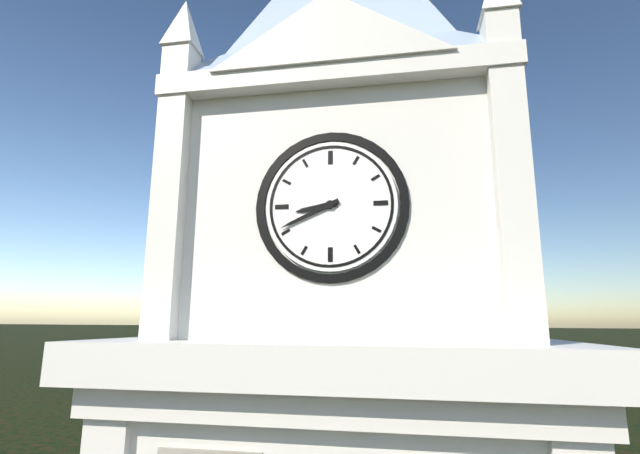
8 h 41 min
